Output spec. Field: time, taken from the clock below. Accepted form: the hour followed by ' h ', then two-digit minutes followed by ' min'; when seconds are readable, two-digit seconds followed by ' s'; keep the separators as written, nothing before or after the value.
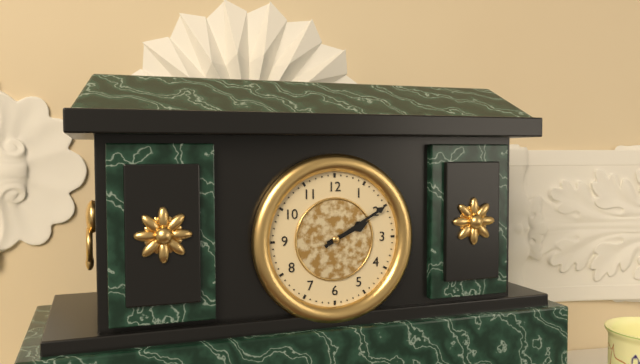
2 h 10 min
